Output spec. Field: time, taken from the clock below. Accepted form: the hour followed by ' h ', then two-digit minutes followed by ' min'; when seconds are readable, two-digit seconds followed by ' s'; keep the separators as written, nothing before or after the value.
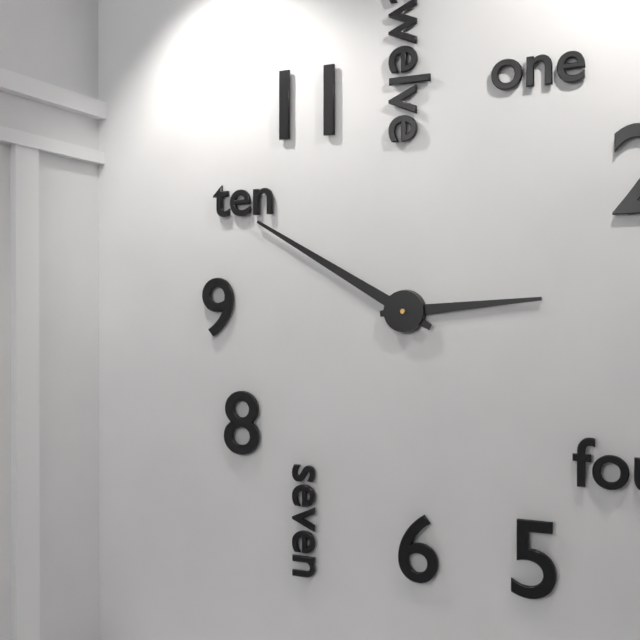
2 h 50 min
